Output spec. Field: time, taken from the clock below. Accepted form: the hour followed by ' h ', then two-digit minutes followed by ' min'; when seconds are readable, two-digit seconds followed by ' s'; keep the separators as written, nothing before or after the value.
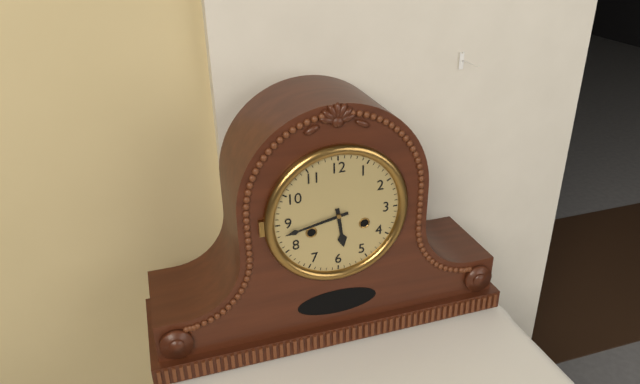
5 h 43 min
